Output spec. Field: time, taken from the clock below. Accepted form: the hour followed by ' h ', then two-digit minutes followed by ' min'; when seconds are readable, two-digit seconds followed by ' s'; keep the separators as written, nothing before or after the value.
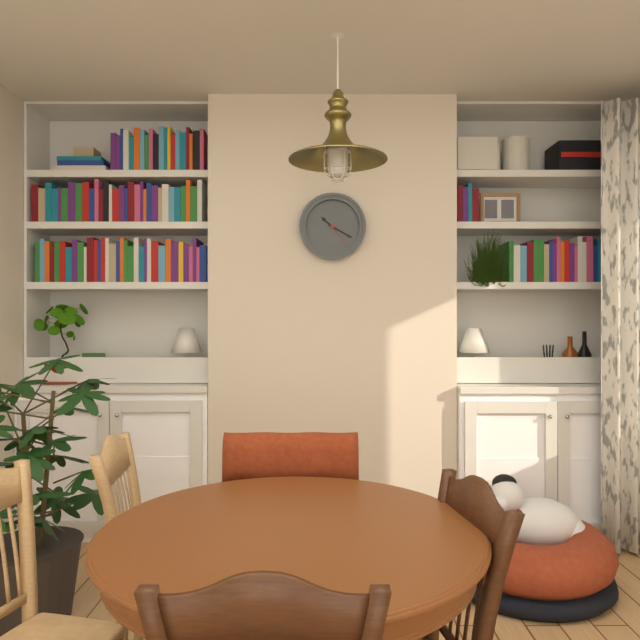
10 h 20 min
